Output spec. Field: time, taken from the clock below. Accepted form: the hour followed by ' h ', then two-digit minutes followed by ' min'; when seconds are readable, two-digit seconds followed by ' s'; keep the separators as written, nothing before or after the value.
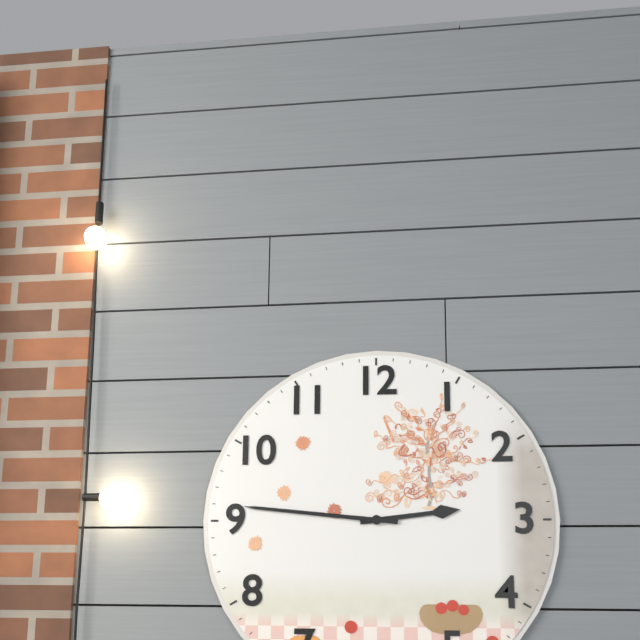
2 h 46 min
